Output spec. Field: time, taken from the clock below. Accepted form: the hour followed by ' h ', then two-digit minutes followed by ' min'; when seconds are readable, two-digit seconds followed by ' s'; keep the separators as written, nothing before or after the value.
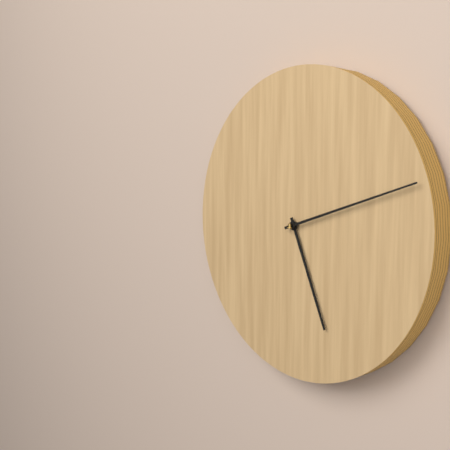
5 h 12 min
